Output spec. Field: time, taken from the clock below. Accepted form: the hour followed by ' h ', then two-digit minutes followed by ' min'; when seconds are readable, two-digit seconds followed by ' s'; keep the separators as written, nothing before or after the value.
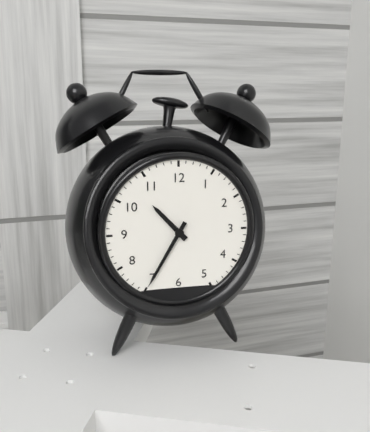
10 h 35 min
